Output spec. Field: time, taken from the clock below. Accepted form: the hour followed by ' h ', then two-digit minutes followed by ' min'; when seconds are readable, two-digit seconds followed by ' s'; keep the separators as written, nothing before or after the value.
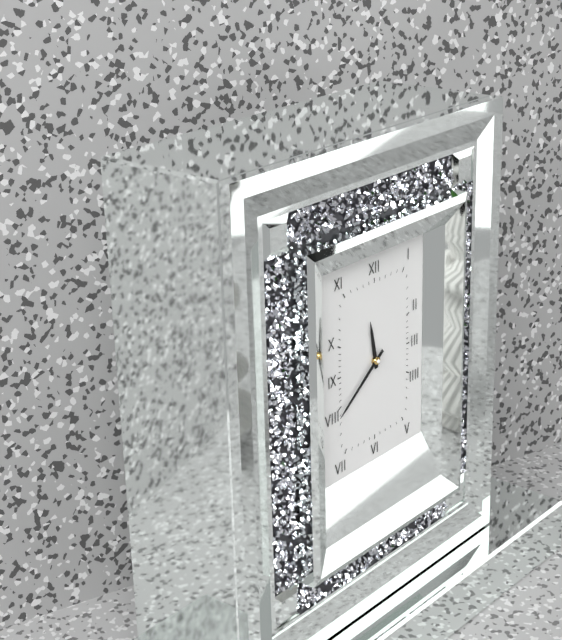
11 h 39 min
